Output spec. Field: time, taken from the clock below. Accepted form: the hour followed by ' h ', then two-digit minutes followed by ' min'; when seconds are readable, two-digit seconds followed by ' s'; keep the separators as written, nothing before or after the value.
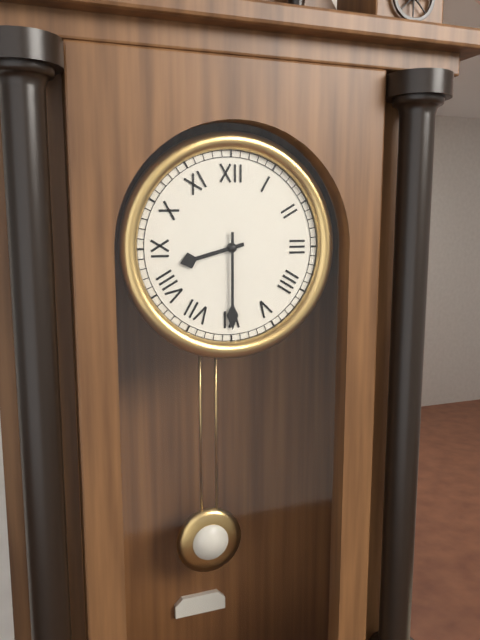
8 h 30 min
